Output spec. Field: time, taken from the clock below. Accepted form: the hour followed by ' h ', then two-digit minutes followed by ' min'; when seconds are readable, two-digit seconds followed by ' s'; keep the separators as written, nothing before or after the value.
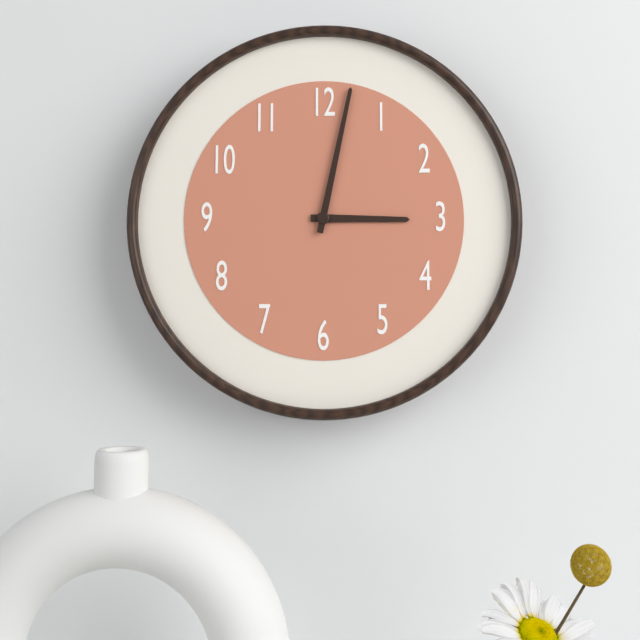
3 h 02 min
